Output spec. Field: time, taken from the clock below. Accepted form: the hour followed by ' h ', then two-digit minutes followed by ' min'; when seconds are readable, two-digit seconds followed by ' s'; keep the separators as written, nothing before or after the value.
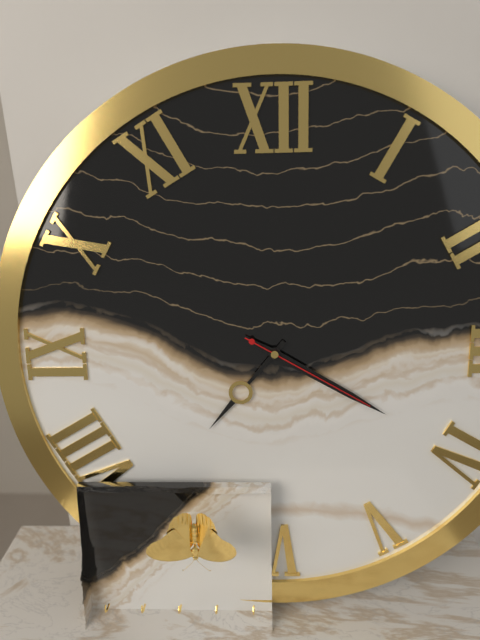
7 h 20 min 20 s
